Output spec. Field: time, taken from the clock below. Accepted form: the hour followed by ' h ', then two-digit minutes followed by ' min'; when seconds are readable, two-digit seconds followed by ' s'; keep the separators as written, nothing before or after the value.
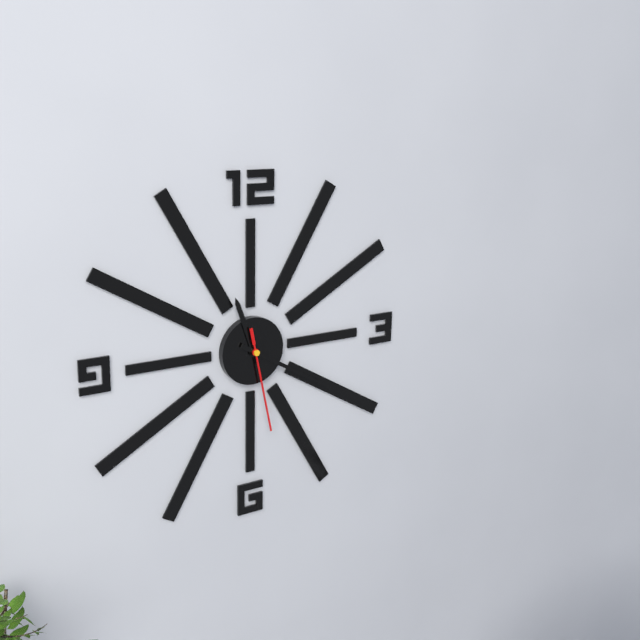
11 h 20 min 28 s
